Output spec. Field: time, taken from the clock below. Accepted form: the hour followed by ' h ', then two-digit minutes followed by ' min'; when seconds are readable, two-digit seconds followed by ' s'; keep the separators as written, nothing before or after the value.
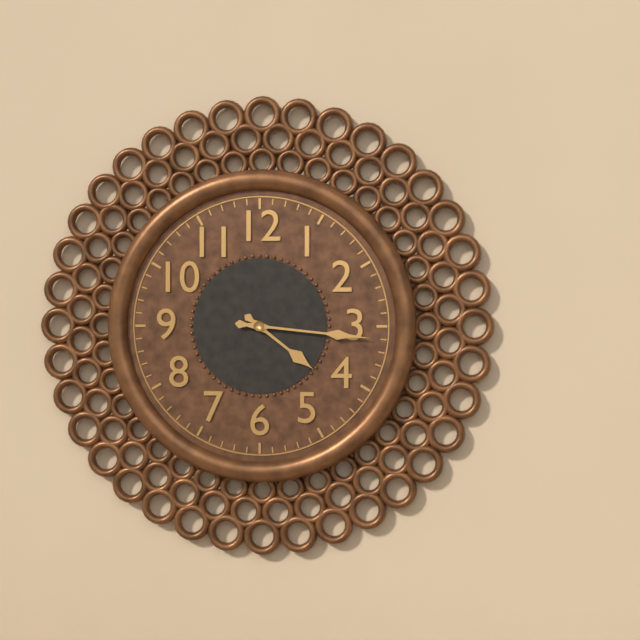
4 h 16 min
